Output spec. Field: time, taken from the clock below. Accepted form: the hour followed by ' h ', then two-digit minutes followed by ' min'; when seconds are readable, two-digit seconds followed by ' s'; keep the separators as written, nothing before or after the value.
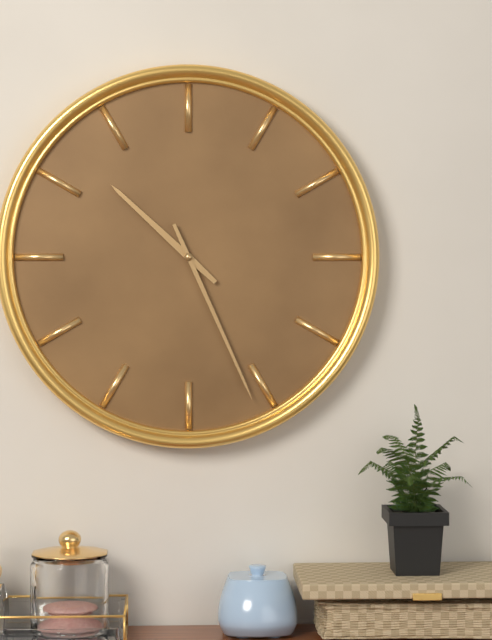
10 h 26 min
